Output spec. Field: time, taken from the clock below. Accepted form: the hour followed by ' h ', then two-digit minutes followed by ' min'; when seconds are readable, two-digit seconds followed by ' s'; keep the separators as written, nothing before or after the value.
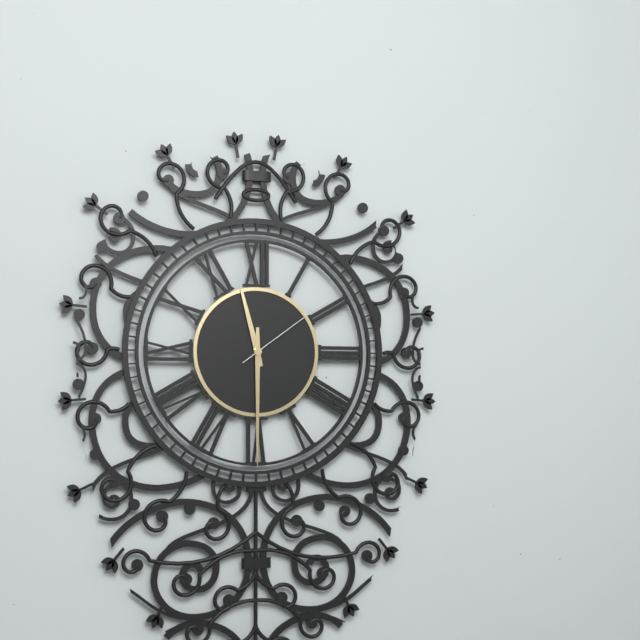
11 h 30 min 09 s
